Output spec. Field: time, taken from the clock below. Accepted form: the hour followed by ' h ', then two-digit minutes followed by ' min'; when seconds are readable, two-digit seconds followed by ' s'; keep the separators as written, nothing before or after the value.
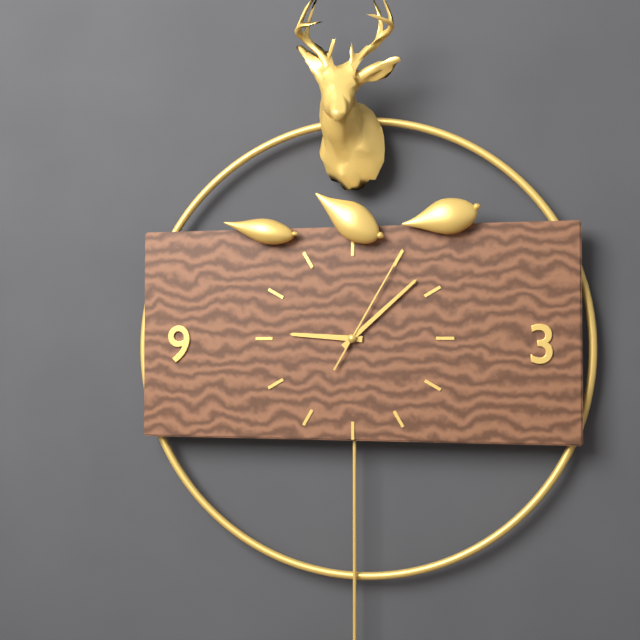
9 h 08 min 05 s
